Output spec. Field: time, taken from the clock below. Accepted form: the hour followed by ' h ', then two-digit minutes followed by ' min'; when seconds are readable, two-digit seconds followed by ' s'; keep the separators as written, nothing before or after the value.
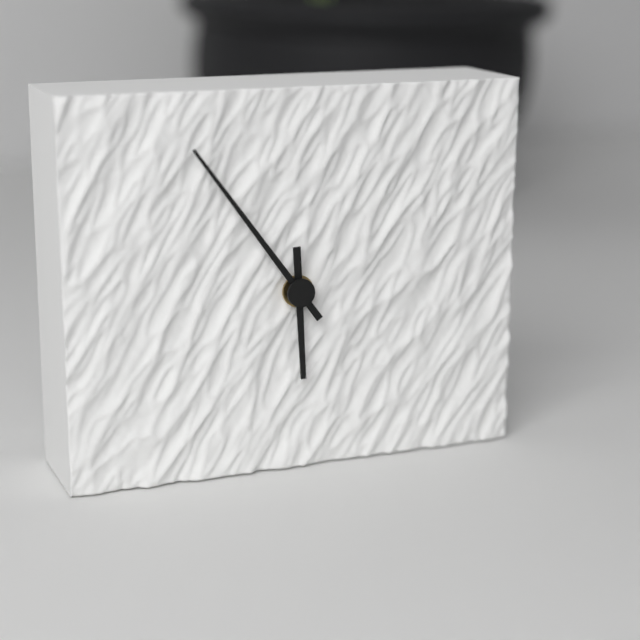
5 h 54 min
